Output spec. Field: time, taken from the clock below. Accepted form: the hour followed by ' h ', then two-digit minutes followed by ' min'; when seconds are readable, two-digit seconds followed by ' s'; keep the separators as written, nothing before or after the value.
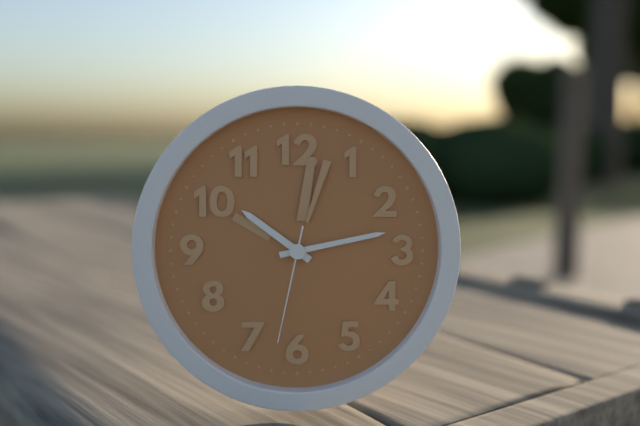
10 h 13 min 32 s
